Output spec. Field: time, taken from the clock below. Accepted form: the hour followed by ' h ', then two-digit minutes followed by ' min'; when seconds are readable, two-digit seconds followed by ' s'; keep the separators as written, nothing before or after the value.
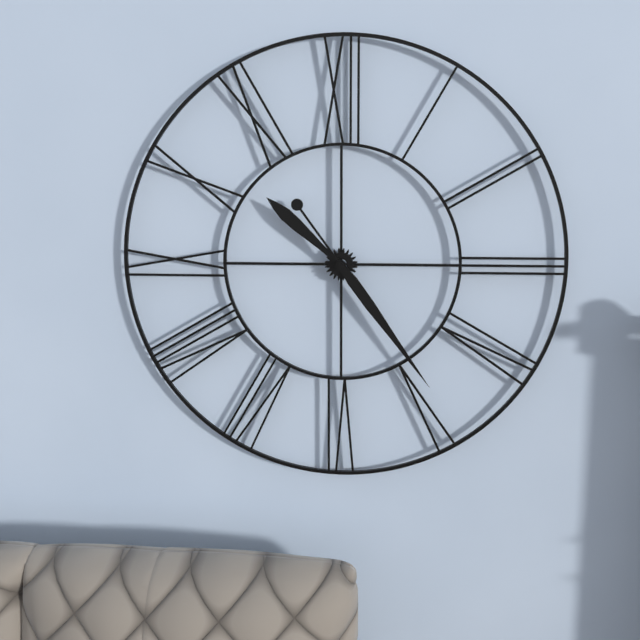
10 h 24 min
